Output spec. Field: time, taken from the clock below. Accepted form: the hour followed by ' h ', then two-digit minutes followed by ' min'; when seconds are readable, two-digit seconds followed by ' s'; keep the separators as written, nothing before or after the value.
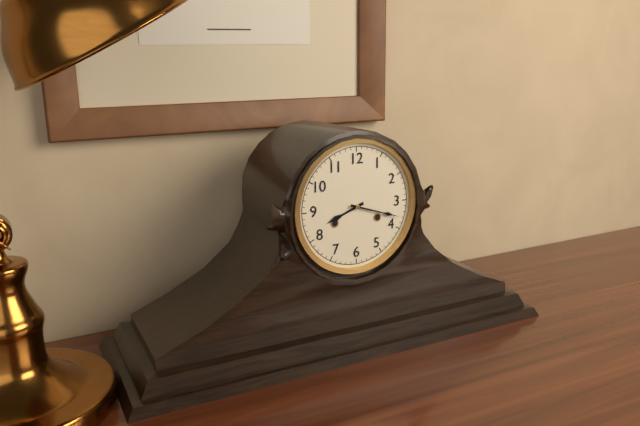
8 h 18 min
